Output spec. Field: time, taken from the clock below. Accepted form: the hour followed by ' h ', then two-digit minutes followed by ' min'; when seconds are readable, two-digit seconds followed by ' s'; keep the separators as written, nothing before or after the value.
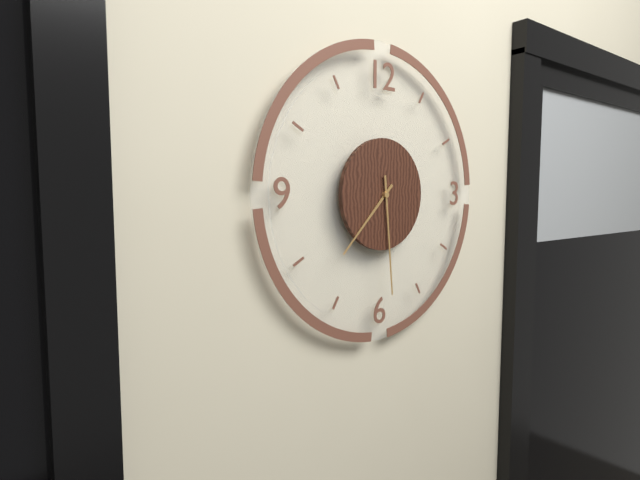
7 h 29 min
